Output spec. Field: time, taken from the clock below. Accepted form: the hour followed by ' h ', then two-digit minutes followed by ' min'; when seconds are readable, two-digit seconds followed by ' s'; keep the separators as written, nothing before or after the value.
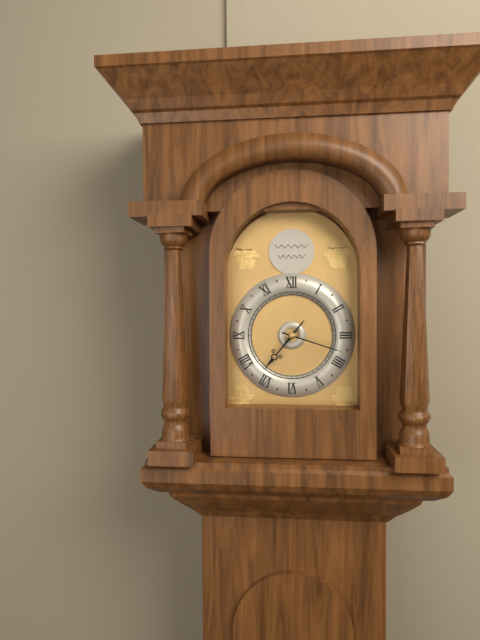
7 h 18 min
